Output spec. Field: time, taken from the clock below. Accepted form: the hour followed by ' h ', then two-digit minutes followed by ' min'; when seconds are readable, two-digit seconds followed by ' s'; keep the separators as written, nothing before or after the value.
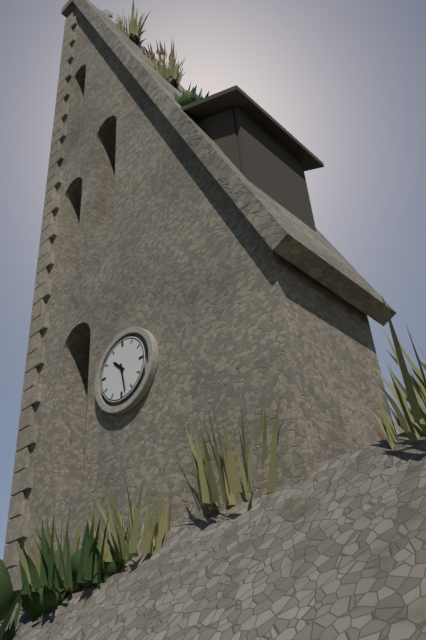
10 h 28 min
